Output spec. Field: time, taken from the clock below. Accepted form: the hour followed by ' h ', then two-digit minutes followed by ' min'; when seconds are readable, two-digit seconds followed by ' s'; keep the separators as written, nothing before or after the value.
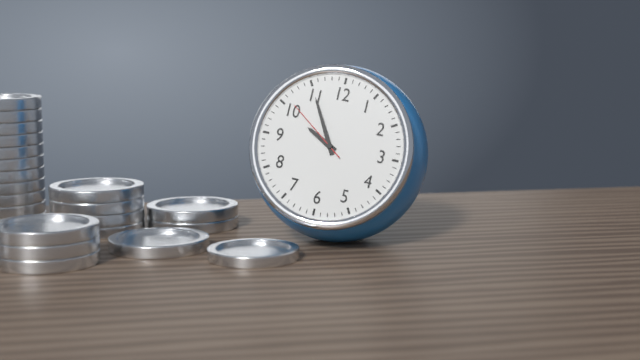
9 h 55 min 51 s
